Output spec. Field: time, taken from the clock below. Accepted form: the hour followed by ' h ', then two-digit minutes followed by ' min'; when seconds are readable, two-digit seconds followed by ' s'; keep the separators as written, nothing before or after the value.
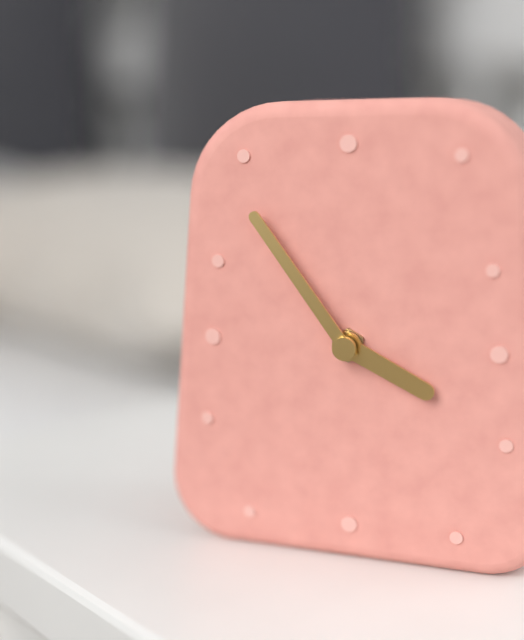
3 h 54 min
